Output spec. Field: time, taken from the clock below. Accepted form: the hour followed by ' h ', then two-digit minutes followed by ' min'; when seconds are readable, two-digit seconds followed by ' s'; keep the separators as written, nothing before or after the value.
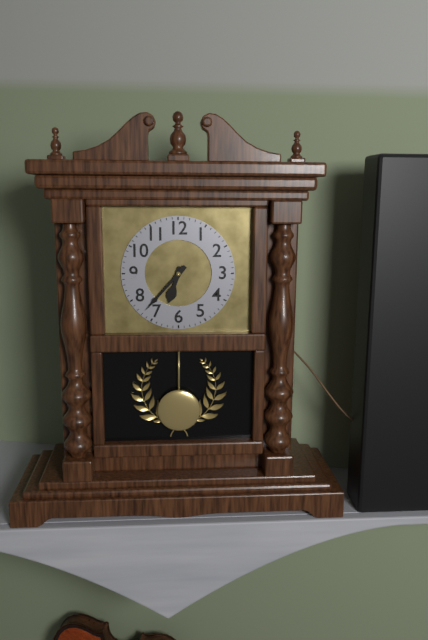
6 h 37 min
